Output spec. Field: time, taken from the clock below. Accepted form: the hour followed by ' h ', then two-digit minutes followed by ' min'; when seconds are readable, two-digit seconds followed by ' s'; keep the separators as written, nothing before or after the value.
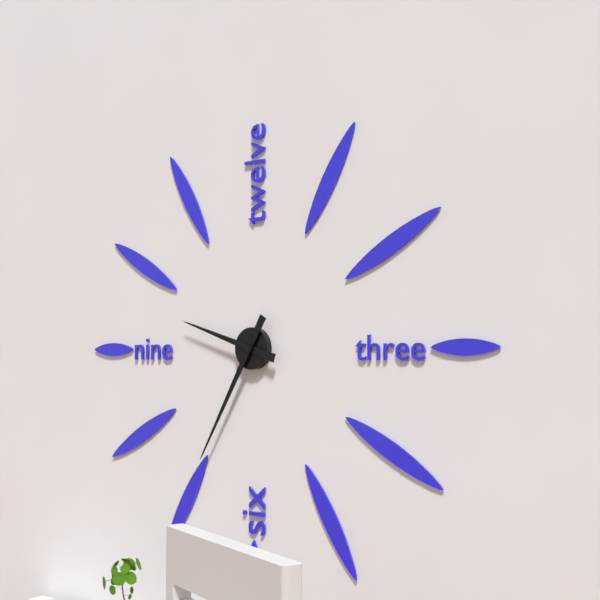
9 h 35 min
